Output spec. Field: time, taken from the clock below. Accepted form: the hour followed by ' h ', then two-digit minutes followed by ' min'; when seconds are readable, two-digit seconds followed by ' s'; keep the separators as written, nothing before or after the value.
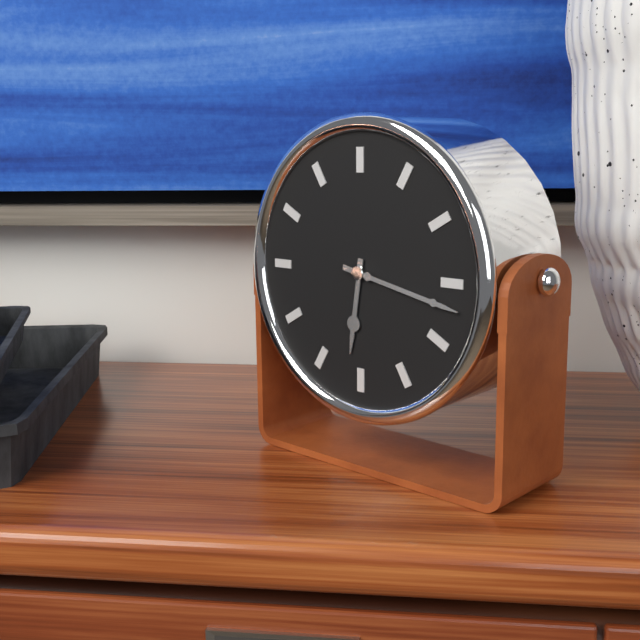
6 h 17 min
